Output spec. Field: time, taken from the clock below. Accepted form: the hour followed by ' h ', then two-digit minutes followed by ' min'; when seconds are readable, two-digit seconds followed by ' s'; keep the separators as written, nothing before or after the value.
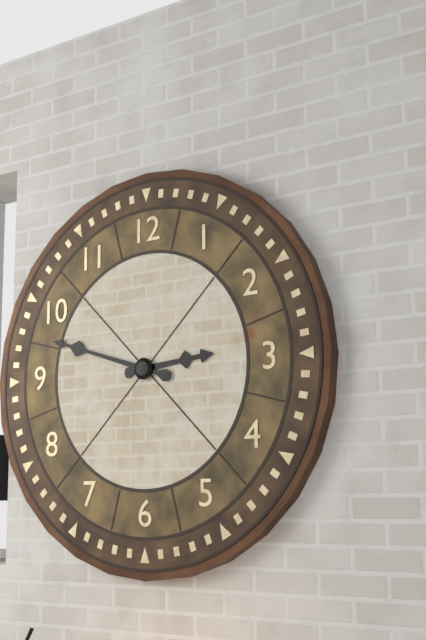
2 h 48 min
